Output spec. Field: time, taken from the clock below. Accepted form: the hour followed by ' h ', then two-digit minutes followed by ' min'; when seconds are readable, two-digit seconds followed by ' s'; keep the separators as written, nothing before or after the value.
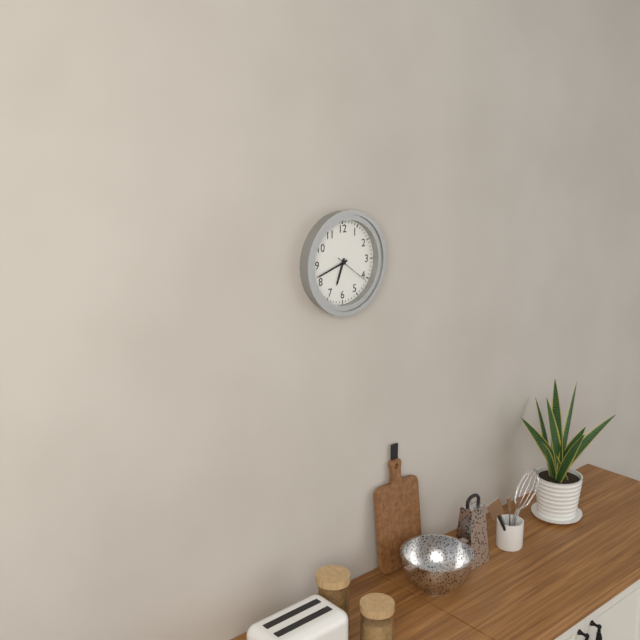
6 h 42 min
